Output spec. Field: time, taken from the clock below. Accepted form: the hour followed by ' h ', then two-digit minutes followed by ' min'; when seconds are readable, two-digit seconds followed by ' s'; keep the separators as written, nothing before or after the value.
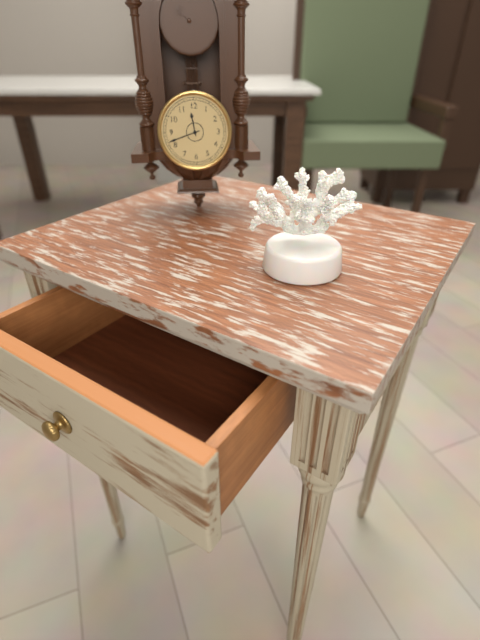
11 h 42 min
